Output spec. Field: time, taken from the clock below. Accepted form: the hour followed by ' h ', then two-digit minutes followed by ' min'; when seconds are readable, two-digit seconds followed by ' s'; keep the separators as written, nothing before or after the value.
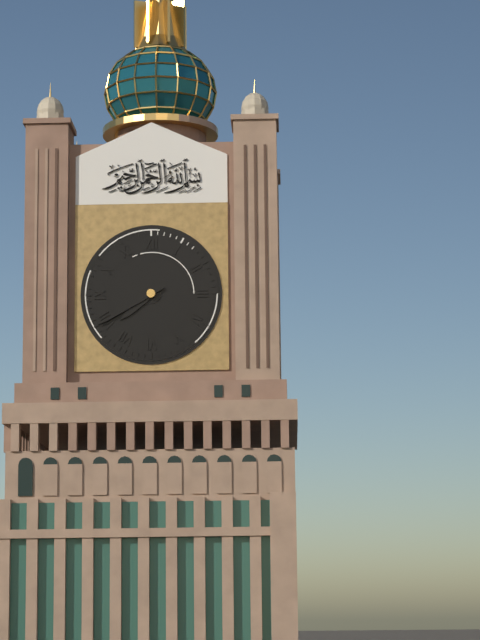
7 h 40 min
